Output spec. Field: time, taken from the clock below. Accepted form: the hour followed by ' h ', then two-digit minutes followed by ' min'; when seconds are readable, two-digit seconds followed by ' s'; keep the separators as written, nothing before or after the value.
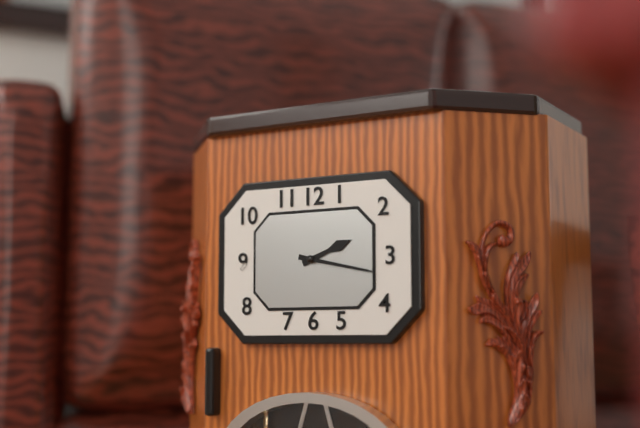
2 h 17 min
